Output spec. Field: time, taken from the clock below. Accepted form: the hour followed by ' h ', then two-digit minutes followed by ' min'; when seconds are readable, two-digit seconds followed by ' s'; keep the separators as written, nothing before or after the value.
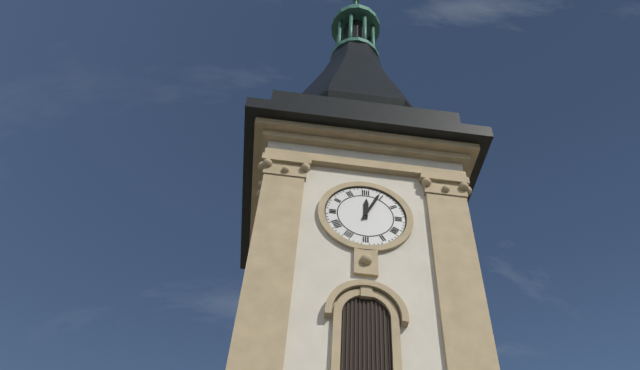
12 h 04 min
